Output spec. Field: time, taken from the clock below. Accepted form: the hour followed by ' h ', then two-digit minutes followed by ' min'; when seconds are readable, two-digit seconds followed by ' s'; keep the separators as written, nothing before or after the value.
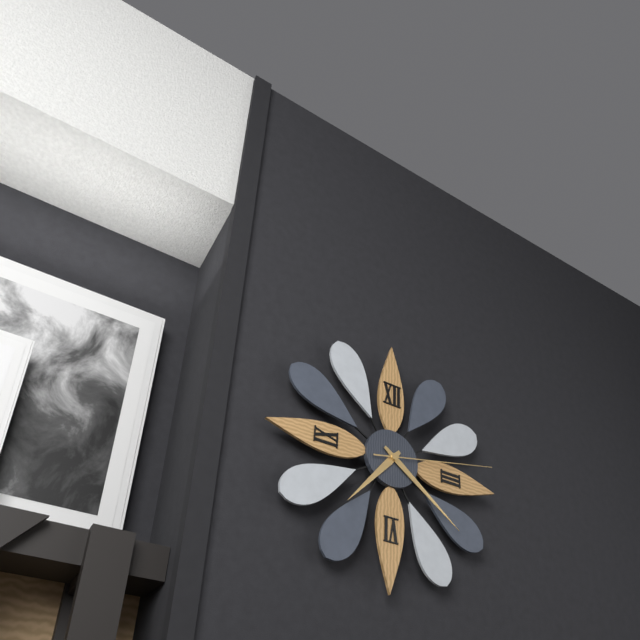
7 h 21 min 13 s
